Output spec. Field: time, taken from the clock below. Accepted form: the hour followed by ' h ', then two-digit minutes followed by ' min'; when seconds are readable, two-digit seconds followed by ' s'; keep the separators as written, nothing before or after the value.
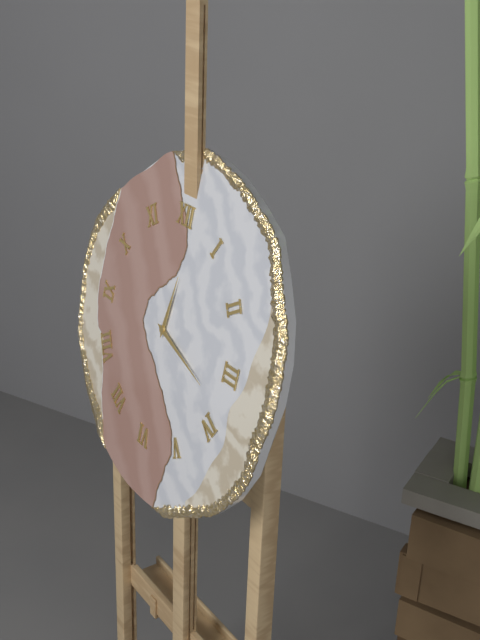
12 h 18 min
